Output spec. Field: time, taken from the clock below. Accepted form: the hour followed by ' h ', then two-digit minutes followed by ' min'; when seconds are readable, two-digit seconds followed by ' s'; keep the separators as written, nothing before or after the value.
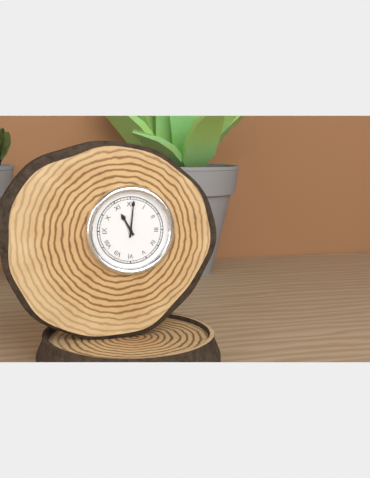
11 h 01 min
